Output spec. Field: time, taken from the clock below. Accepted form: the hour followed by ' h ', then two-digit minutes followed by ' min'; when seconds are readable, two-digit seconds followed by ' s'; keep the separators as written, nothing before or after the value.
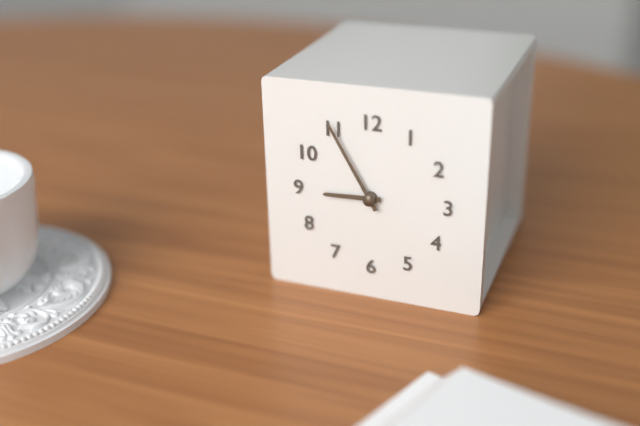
8 h 55 min
